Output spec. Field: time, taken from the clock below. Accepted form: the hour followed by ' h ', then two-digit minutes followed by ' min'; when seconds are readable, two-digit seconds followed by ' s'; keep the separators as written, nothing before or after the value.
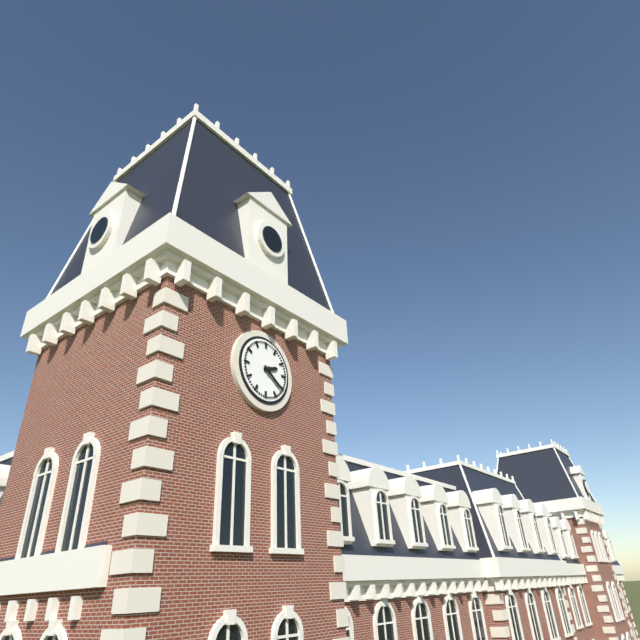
2 h 21 min
